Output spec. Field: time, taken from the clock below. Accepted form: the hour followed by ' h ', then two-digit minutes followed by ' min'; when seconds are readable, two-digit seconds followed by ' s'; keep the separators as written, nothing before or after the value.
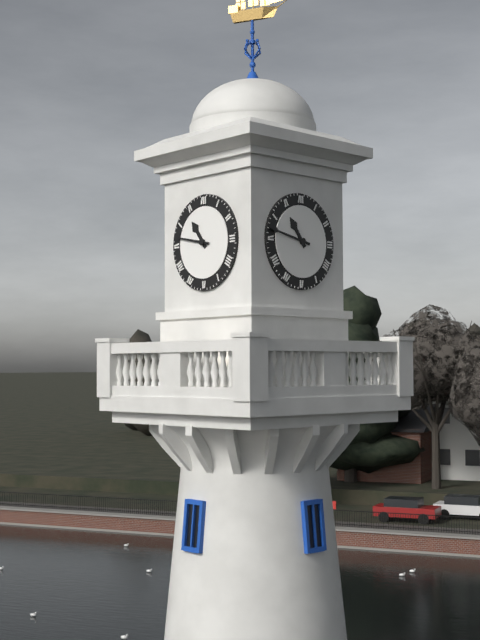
10 h 47 min
